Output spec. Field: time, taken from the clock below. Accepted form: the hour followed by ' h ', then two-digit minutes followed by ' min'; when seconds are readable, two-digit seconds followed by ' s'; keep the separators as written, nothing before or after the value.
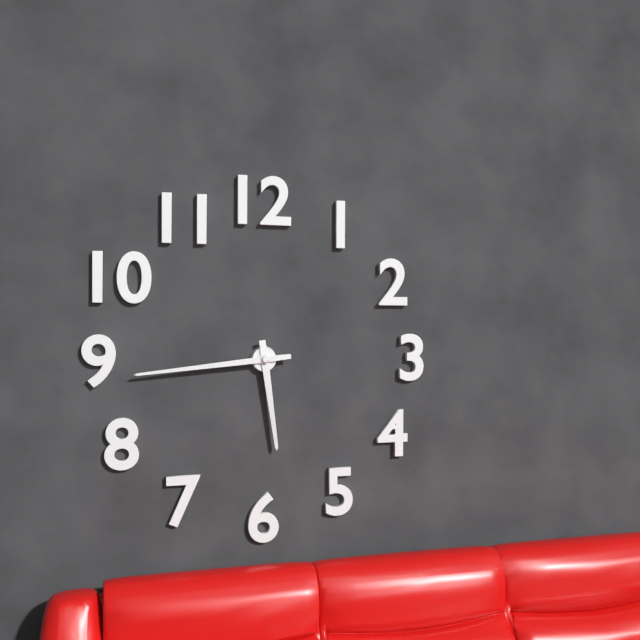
5 h 44 min
